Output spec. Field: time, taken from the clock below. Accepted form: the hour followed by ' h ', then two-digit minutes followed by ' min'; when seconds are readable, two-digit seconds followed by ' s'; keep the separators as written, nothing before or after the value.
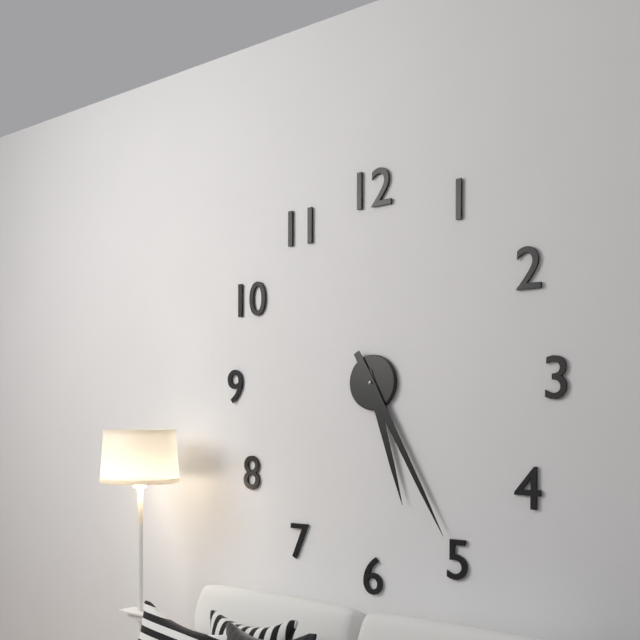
5 h 25 min
